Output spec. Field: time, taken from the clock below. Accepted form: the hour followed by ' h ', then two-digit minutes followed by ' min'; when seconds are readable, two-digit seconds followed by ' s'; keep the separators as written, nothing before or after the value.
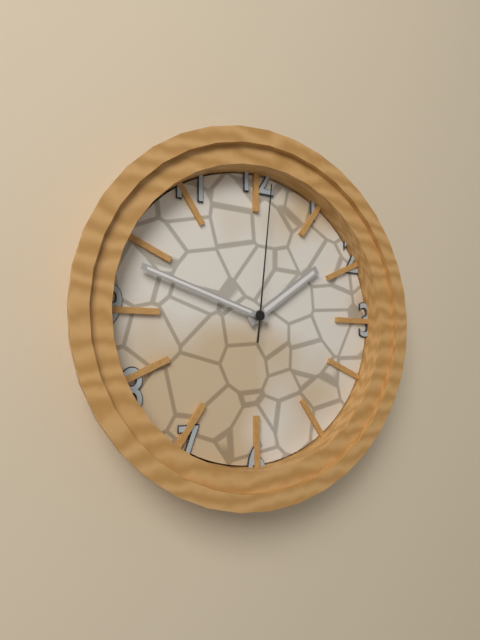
1 h 48 min 01 s
